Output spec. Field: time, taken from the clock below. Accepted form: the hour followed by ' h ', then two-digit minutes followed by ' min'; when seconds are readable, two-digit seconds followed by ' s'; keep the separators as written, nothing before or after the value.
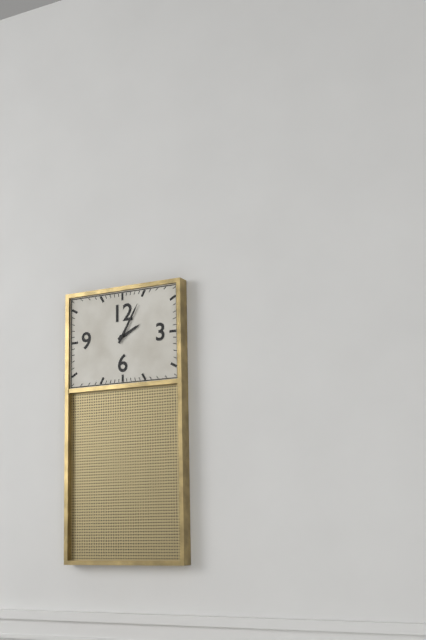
2 h 05 min
